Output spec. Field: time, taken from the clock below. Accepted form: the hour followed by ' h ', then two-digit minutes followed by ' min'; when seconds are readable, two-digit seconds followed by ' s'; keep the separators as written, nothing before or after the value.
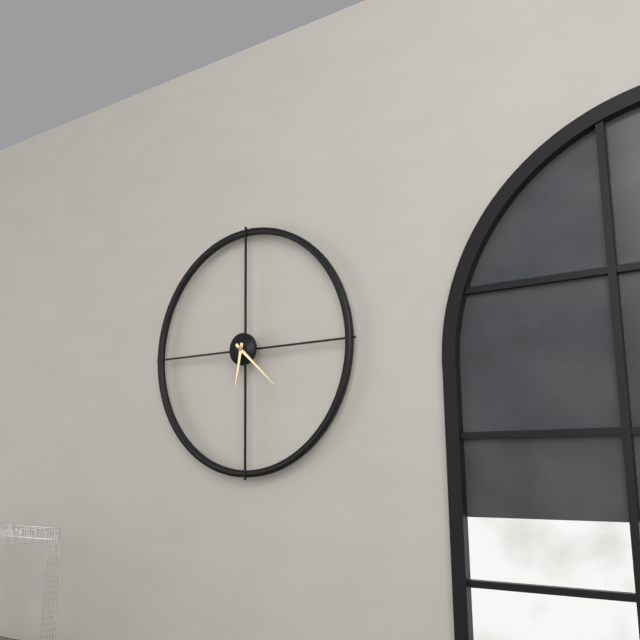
6 h 22 min
